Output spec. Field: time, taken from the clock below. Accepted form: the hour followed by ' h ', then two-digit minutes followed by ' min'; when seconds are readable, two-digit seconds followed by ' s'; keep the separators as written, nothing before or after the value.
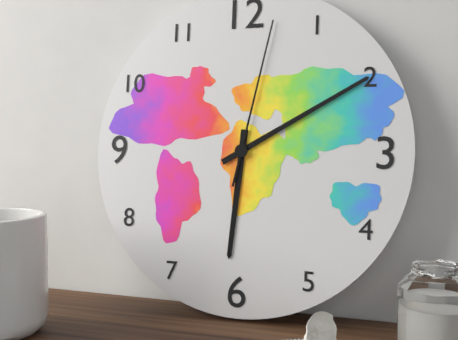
6 h 10 min 02 s
